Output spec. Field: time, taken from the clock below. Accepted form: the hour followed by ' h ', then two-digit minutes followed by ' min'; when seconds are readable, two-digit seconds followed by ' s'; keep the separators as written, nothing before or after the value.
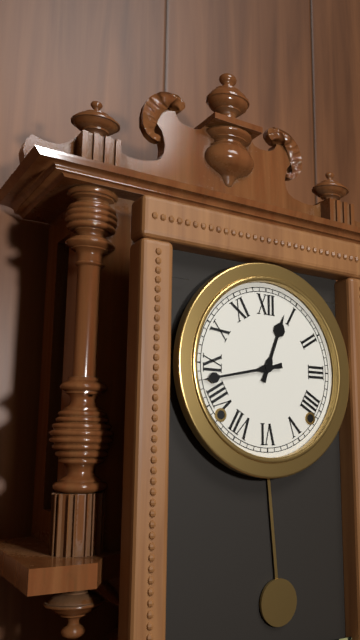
12 h 43 min
